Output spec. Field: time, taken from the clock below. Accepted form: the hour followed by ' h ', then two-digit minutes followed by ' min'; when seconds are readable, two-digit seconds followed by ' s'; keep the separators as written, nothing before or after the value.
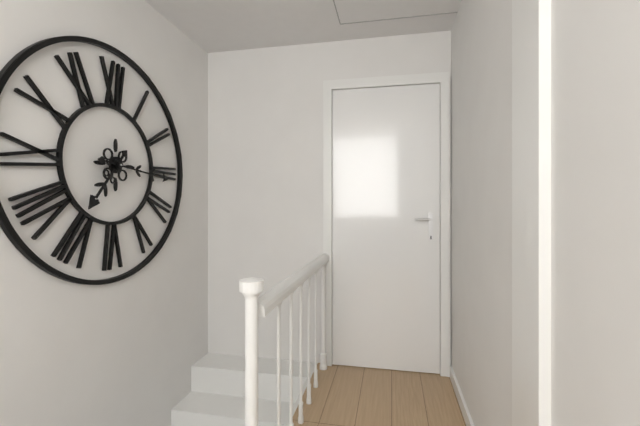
7 h 16 min
